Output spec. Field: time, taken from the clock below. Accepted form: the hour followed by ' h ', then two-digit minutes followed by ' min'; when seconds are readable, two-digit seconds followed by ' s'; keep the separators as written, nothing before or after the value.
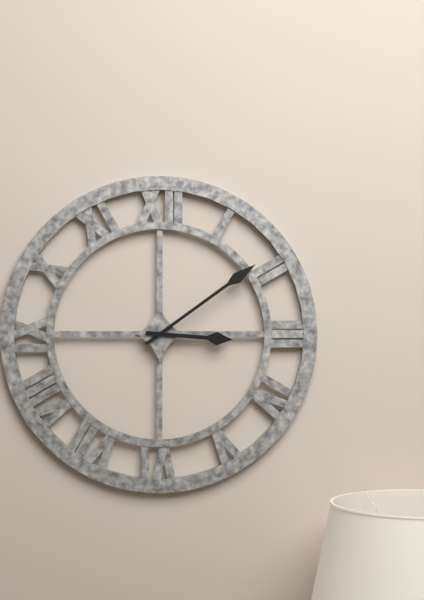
3 h 09 min
